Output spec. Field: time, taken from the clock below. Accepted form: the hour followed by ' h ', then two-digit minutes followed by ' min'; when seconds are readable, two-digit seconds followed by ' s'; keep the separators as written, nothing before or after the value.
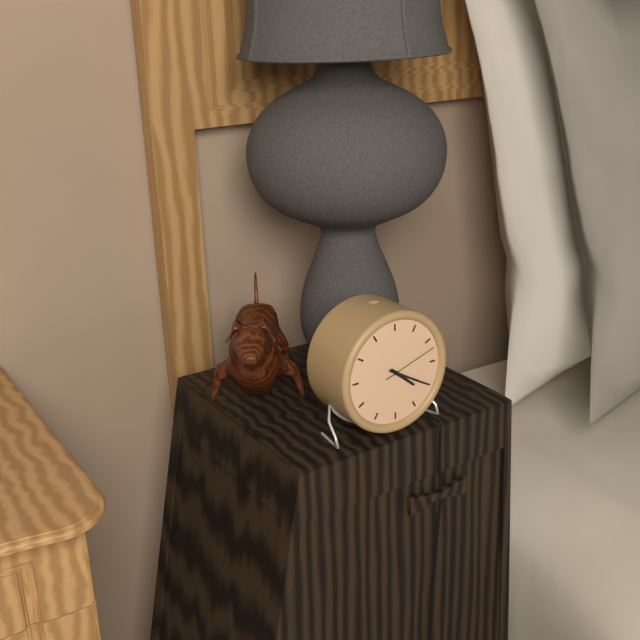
4 h 20 min 12 s
